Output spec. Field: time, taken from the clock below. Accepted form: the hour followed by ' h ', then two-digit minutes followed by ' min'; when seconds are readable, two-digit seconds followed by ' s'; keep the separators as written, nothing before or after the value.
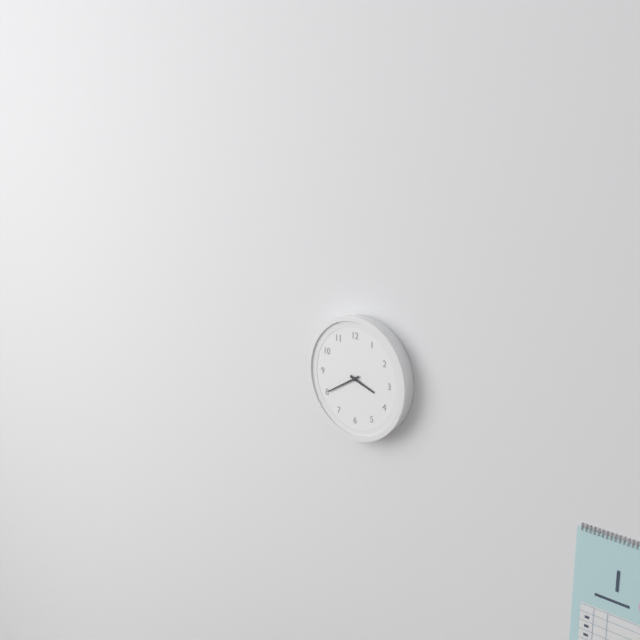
3 h 40 min
